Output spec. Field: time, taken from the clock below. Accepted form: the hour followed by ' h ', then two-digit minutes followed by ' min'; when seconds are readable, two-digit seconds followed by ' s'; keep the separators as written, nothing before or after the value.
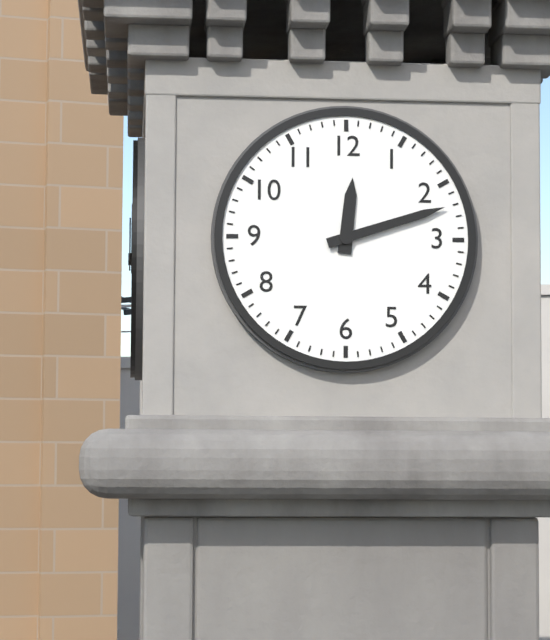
12 h 12 min
